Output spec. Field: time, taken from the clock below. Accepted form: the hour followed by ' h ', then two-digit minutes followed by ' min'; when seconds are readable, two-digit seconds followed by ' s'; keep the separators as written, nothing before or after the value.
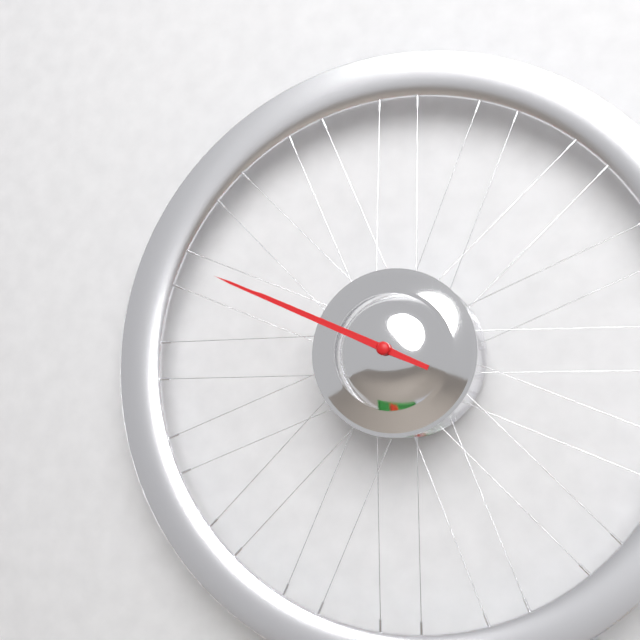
9 h 49 min
